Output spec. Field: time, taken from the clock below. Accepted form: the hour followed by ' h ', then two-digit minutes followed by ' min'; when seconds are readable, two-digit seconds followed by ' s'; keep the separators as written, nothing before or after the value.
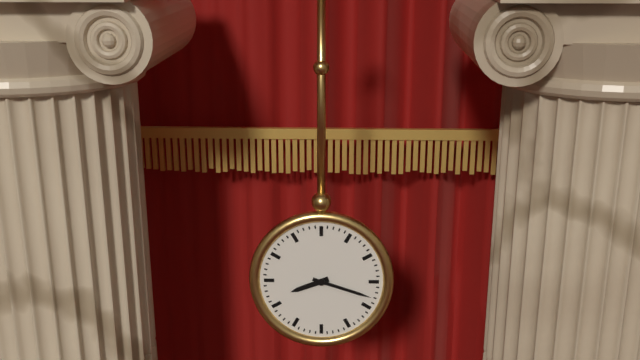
8 h 18 min
